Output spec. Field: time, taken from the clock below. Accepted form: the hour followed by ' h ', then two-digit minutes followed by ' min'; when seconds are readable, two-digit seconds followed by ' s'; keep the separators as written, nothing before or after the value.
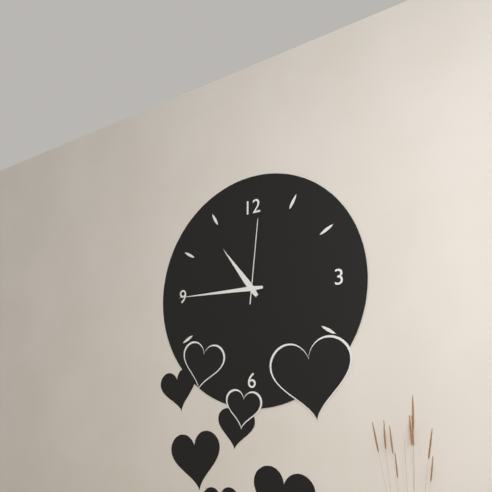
10 h 45 min 01 s
